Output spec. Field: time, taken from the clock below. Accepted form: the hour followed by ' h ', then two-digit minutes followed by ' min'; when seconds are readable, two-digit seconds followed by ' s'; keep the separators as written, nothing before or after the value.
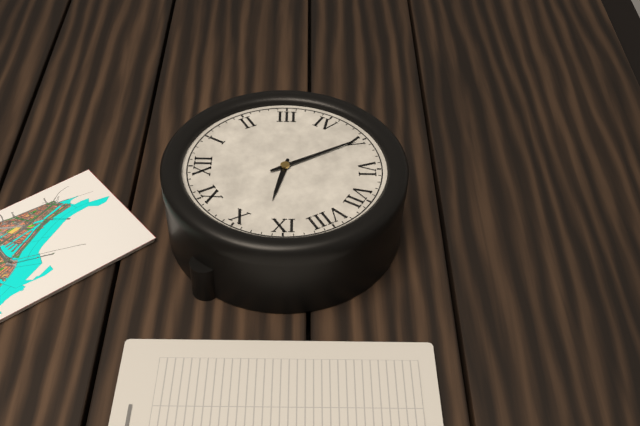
9 h 25 min
